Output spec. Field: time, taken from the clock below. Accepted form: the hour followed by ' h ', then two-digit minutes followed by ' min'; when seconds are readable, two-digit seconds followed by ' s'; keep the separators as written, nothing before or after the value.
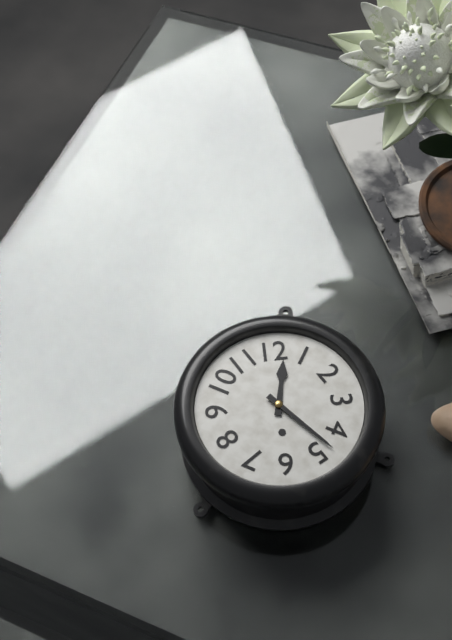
12 h 23 min
